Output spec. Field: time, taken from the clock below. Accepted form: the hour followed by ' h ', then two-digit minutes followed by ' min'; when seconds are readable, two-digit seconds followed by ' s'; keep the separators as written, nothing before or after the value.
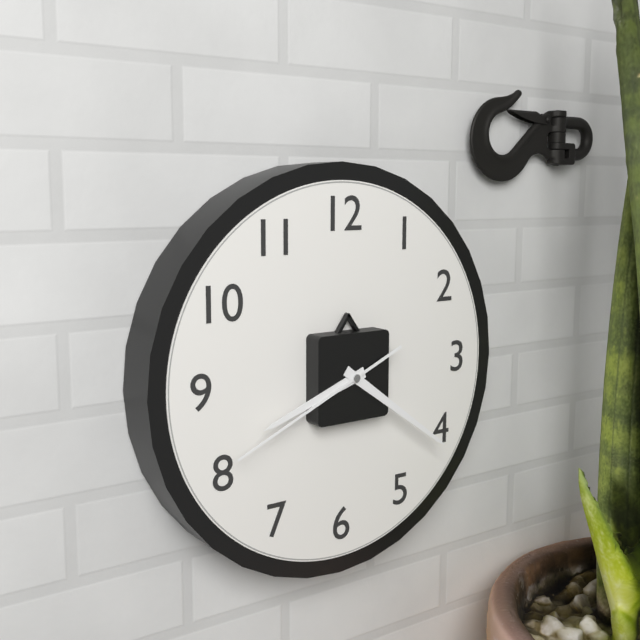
8 h 21 min 41 s
